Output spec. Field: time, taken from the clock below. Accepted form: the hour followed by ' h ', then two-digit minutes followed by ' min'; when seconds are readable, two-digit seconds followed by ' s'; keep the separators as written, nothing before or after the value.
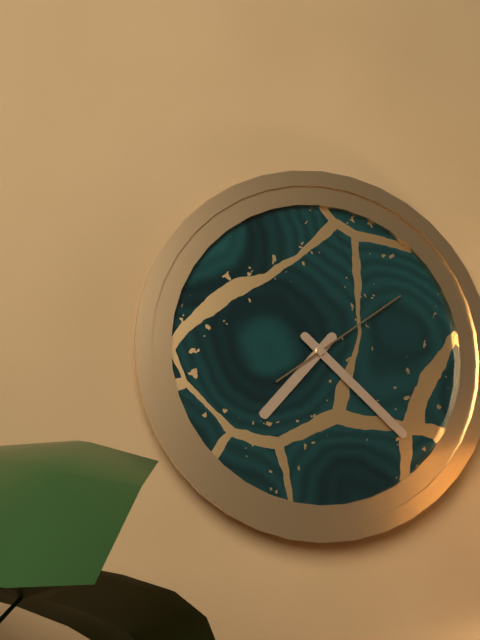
7 h 22 min 09 s
